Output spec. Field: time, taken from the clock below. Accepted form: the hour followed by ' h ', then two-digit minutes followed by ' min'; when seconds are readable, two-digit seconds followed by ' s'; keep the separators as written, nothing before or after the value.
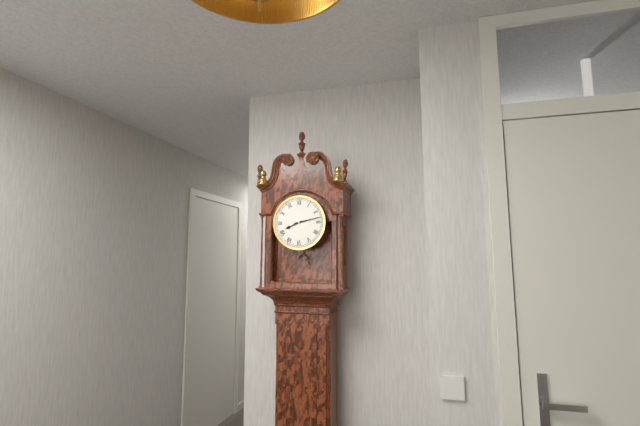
8 h 13 min
